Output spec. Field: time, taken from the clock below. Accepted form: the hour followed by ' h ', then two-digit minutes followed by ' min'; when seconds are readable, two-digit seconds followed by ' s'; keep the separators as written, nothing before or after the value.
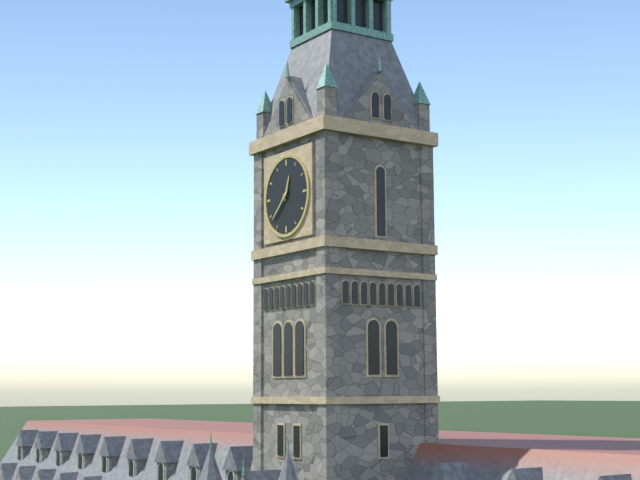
12 h 38 min
